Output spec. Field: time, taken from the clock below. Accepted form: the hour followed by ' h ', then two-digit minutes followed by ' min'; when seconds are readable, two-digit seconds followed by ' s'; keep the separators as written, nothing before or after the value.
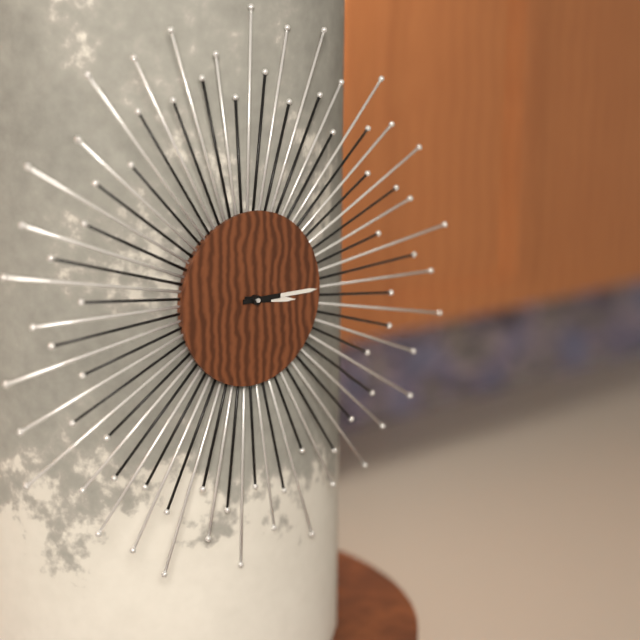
3 h 15 min
